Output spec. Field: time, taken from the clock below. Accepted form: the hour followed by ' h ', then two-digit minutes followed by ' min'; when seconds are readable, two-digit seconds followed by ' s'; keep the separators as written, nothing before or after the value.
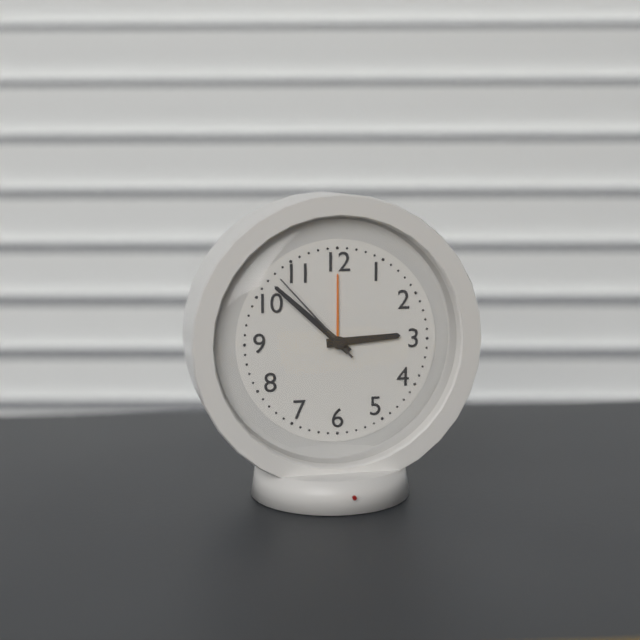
2 h 52 min 53 s
